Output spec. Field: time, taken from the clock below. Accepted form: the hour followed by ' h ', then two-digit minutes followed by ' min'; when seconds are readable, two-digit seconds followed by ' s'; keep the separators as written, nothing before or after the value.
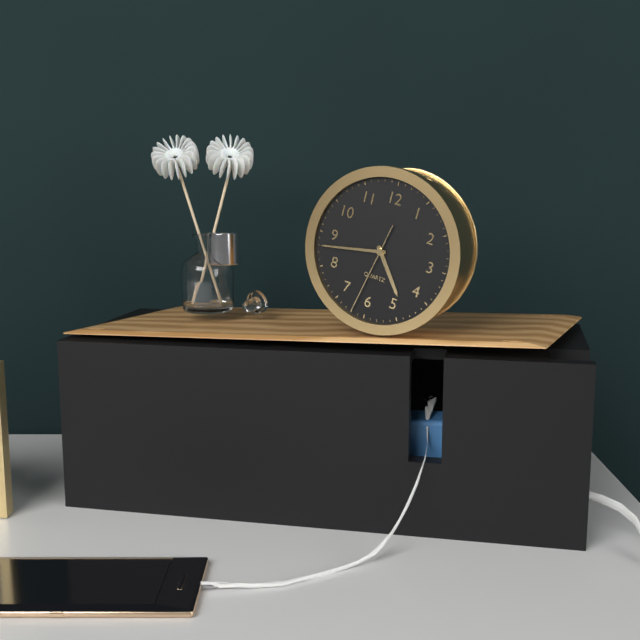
4 h 43 min 32 s
